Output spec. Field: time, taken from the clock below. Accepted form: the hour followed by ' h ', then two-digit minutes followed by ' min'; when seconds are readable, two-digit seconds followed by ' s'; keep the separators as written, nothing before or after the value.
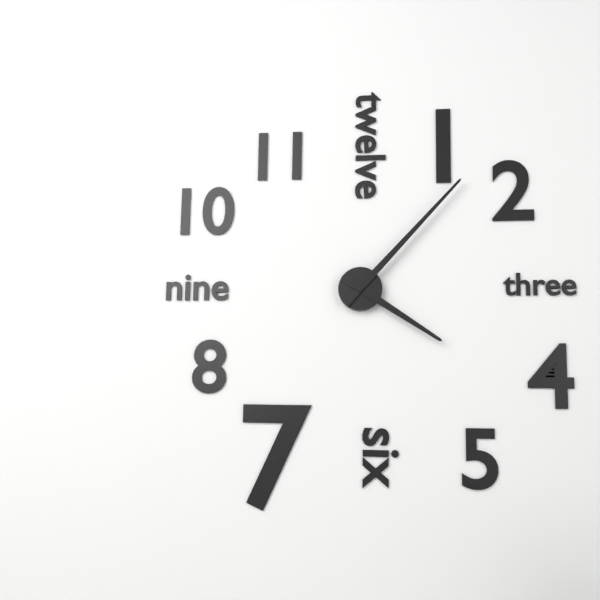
4 h 07 min
